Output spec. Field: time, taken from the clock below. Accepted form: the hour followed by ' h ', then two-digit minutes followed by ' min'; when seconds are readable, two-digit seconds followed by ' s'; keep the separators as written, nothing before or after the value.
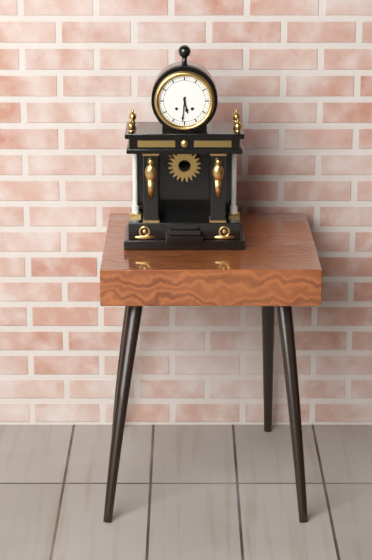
5 h 31 min
